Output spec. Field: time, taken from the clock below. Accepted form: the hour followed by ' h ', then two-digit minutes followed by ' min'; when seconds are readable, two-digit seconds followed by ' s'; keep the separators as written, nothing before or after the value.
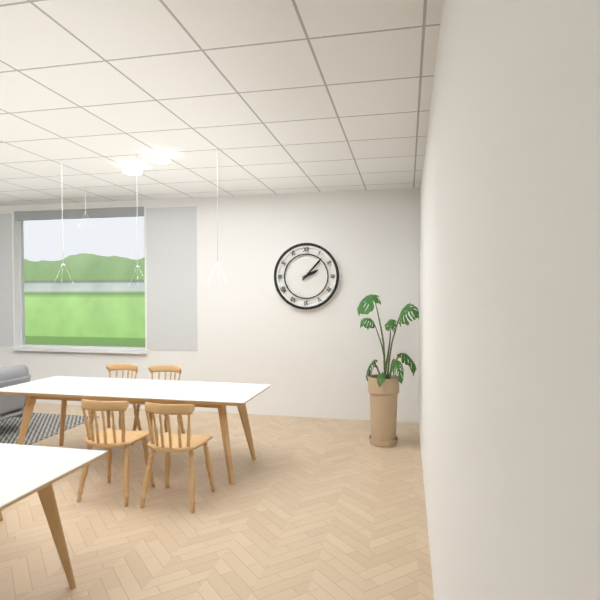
2 h 07 min
